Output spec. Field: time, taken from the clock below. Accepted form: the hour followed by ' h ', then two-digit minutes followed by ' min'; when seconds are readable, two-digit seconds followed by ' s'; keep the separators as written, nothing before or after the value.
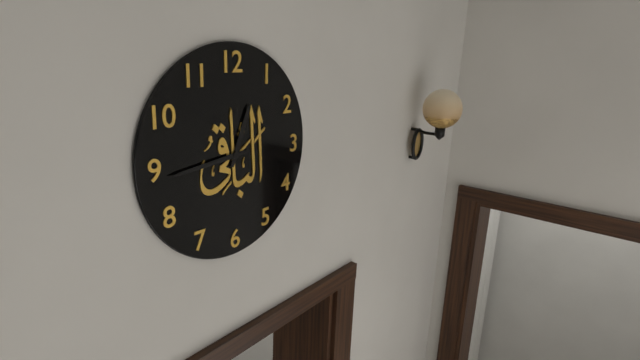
12 h 44 min
